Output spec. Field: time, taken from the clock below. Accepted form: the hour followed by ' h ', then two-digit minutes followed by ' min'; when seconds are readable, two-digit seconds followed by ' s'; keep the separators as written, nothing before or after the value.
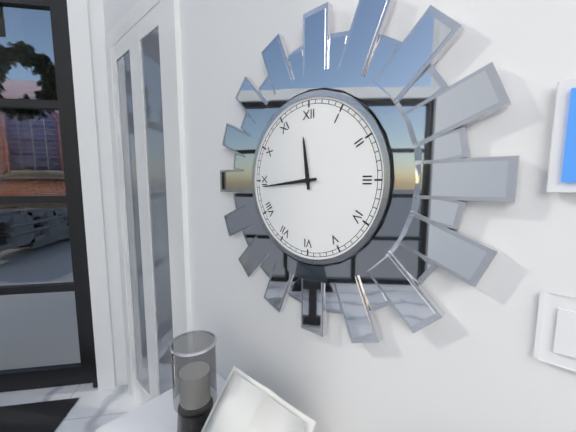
11 h 44 min
